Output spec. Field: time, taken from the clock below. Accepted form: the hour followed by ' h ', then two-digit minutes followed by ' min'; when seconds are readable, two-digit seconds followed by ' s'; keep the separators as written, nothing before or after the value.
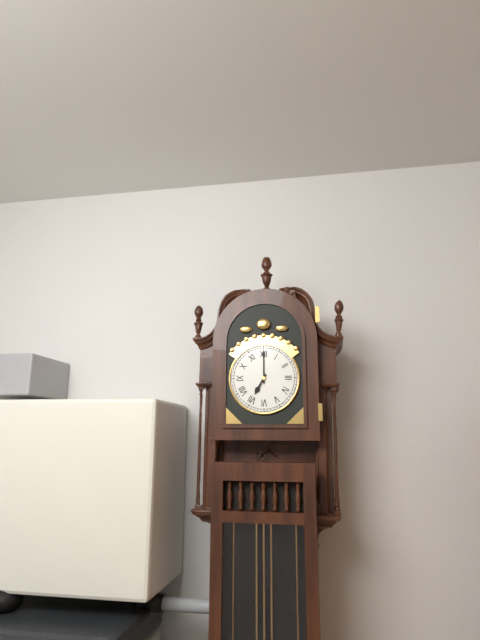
7 h 00 min
